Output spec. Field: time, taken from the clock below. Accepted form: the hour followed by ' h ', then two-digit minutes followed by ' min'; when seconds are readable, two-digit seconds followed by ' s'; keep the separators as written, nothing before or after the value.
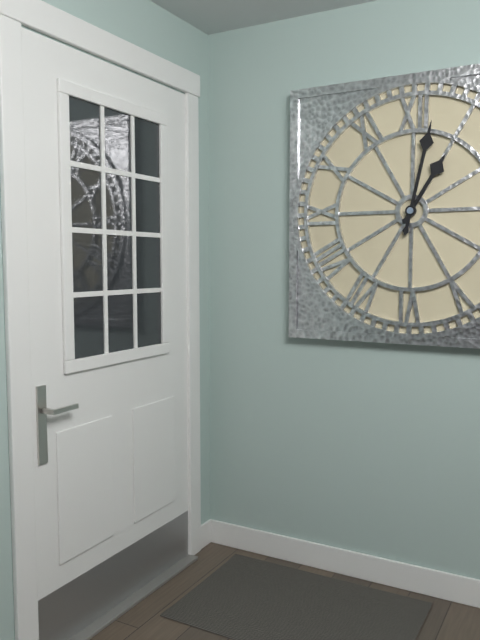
1 h 02 min
